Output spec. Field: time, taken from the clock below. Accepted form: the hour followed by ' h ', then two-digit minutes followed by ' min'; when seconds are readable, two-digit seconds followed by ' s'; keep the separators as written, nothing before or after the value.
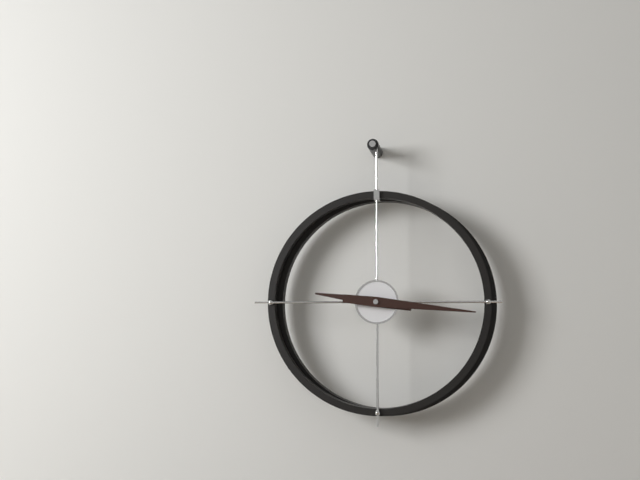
9 h 16 min
